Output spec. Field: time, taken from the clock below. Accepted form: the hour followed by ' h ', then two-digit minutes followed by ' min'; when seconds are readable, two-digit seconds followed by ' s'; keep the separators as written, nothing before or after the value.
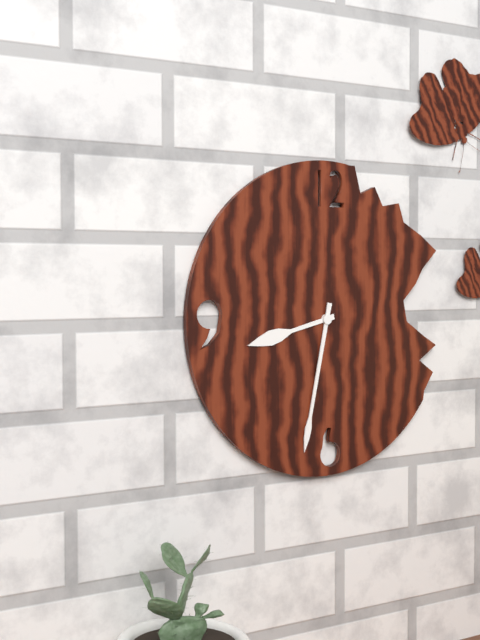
8 h 32 min
